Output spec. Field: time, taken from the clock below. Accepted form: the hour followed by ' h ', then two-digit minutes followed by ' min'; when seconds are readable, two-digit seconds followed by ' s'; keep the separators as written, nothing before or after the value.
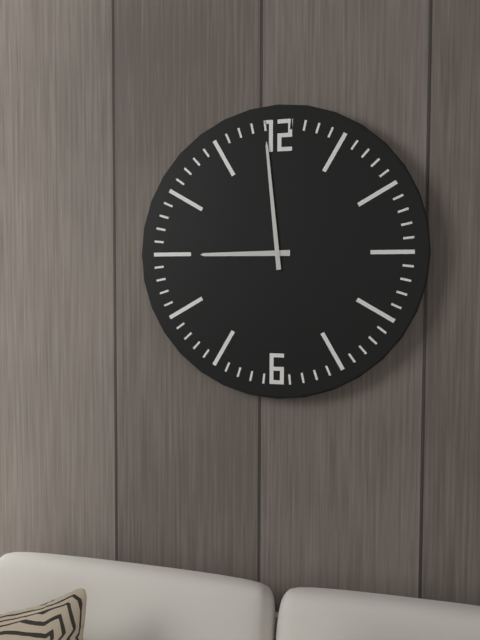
8 h 59 min
